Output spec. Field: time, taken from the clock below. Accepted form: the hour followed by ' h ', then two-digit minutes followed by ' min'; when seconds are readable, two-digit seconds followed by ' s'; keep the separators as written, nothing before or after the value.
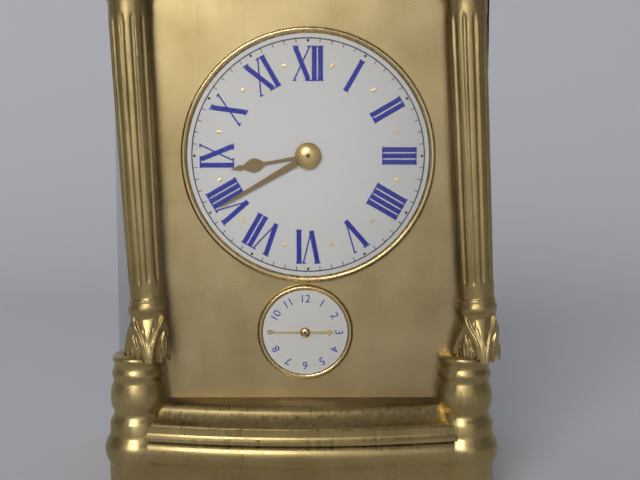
8 h 40 min
